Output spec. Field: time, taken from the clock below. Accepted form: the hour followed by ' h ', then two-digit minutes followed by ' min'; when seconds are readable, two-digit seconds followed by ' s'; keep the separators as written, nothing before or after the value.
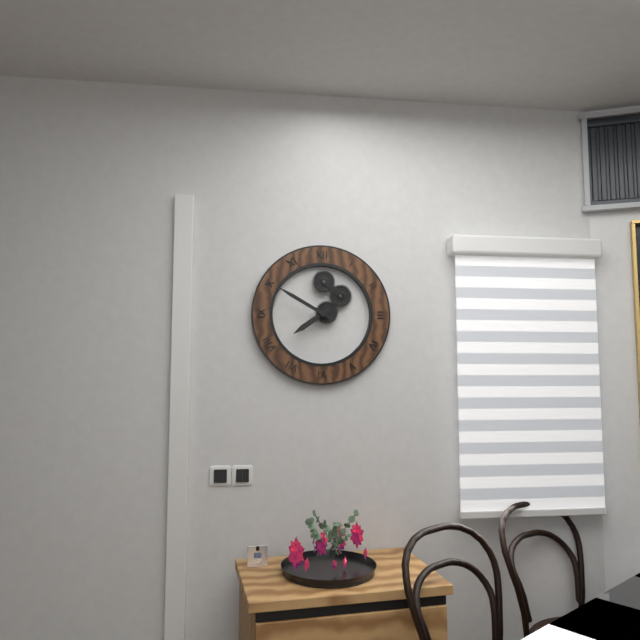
7 h 50 min
